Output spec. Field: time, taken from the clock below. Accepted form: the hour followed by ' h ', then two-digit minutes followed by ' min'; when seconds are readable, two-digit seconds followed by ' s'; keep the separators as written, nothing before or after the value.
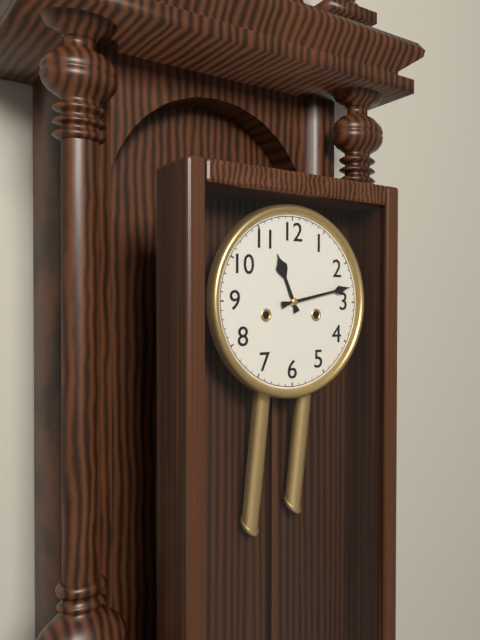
11 h 13 min
